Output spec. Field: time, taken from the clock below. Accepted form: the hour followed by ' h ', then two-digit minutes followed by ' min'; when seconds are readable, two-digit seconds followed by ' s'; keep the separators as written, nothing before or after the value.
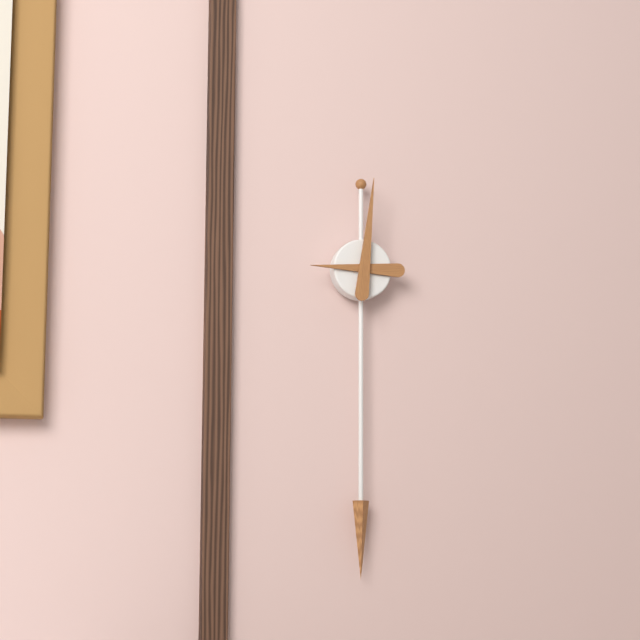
9 h 01 min
